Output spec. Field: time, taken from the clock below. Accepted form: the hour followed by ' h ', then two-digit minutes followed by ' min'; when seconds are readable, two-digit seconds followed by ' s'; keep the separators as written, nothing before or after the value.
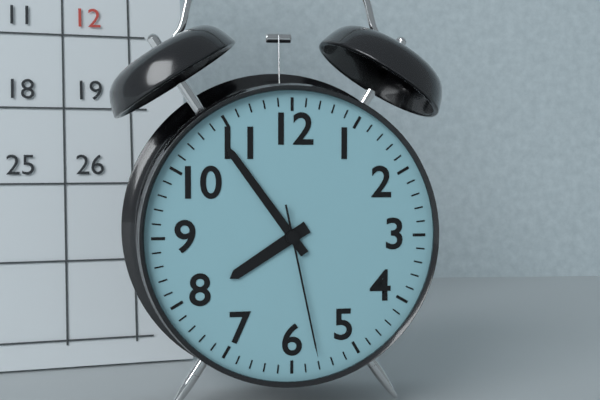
7 h 54 min 28 s
